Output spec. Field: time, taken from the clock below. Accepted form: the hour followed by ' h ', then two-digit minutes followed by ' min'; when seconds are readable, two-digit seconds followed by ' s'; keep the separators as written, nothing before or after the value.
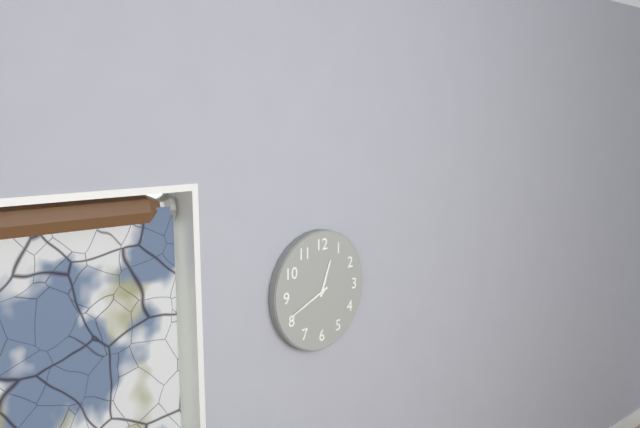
12 h 41 min
